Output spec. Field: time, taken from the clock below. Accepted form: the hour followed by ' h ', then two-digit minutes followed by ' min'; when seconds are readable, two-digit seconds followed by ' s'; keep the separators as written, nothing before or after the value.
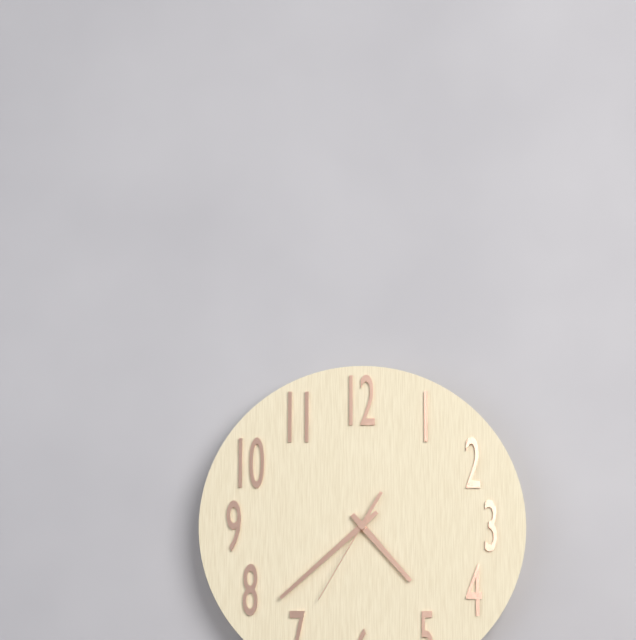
4 h 38 min 35 s
